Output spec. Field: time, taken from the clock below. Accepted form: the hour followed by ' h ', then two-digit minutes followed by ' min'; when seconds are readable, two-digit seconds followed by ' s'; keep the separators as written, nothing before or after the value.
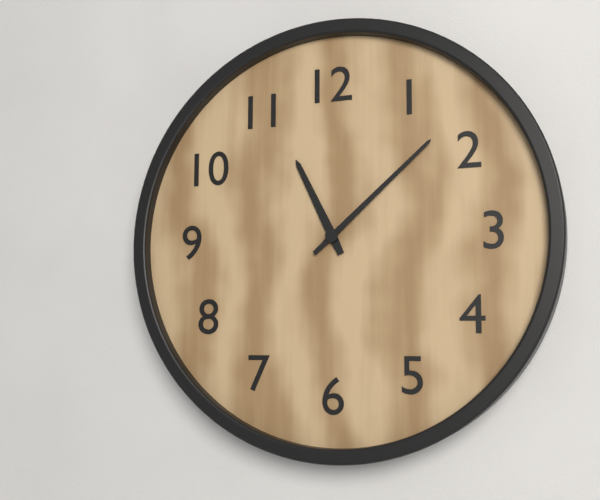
11 h 08 min
